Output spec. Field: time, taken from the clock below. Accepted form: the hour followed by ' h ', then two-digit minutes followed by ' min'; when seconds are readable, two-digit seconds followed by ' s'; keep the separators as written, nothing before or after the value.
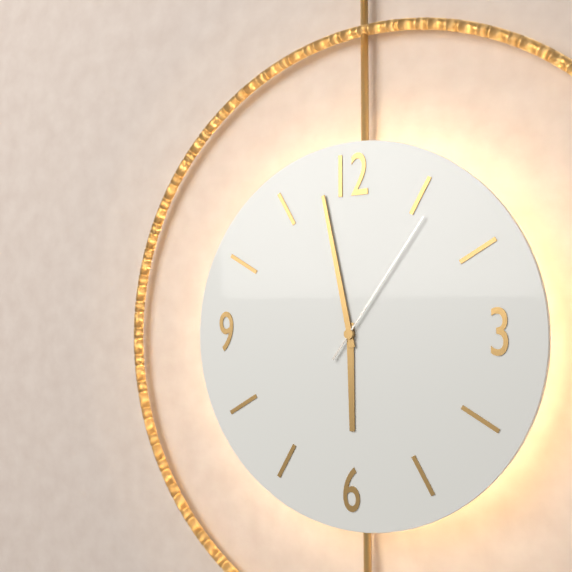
5 h 58 min 06 s
